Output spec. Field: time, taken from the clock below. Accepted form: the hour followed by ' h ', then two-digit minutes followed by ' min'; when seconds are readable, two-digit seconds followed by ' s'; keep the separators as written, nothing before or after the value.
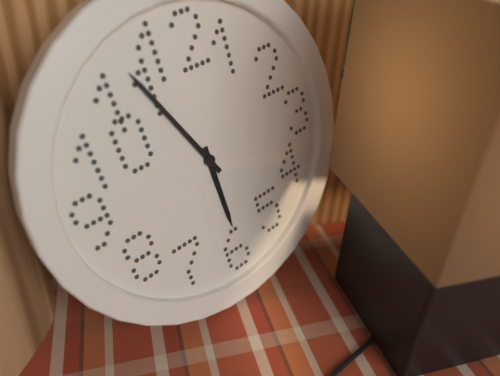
5 h 56 min
